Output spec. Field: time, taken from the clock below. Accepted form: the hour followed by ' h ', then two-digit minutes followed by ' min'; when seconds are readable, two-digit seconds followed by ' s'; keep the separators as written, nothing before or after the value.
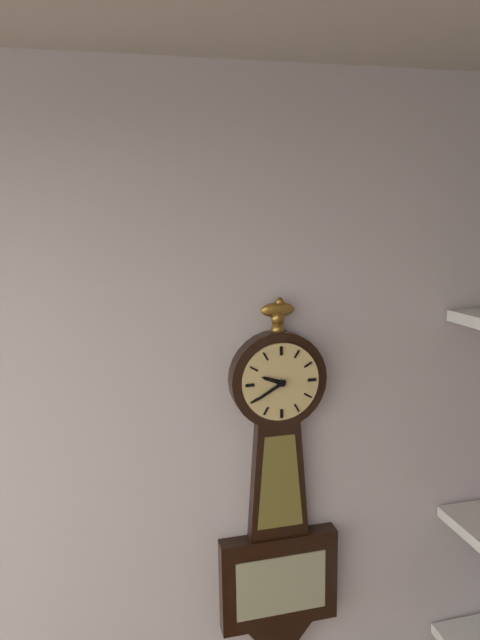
9 h 40 min
